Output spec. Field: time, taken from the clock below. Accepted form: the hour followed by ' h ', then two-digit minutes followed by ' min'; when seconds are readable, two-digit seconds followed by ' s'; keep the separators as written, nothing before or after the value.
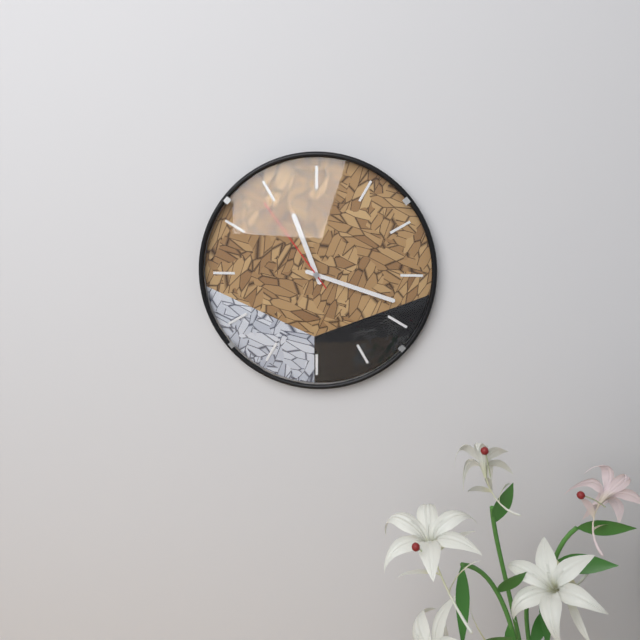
11 h 18 min 54 s
